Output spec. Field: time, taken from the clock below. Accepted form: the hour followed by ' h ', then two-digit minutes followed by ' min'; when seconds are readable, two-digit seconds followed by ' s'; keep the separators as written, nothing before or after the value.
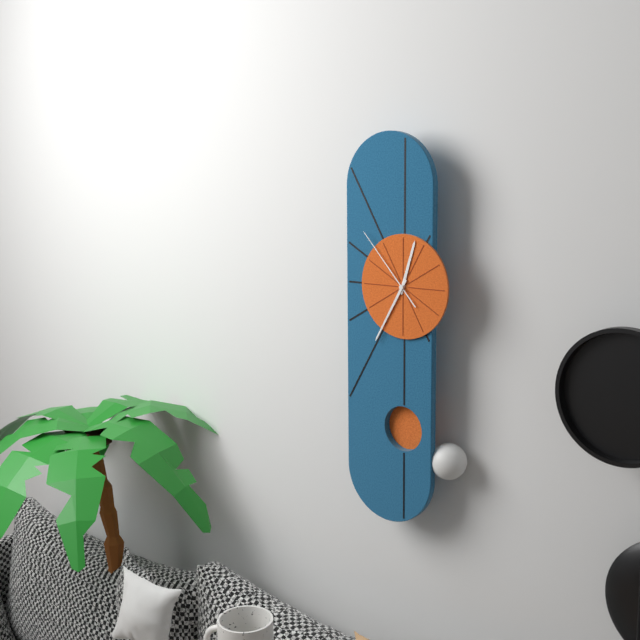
12 h 35 min 53 s
